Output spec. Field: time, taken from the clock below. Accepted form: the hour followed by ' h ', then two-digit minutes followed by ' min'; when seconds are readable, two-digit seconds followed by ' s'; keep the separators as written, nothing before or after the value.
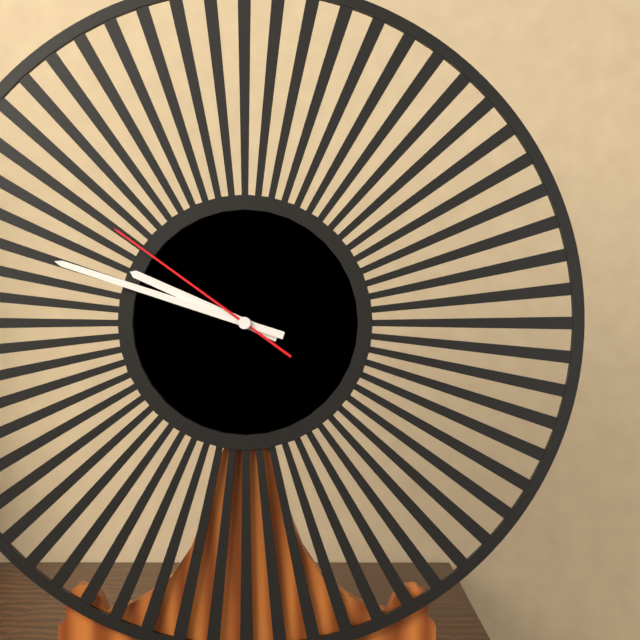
9 h 48 min 51 s
